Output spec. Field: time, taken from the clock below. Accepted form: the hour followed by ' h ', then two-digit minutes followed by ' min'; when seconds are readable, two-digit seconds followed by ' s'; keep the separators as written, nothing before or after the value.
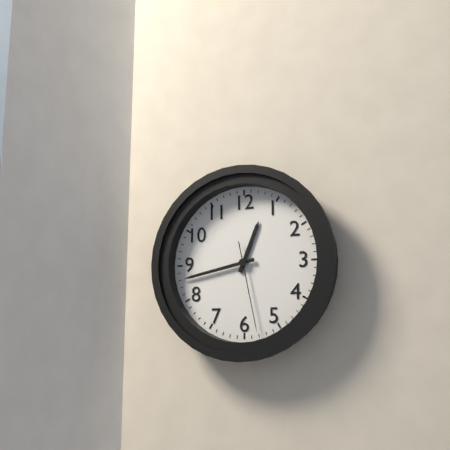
12 h 43 min 28 s
